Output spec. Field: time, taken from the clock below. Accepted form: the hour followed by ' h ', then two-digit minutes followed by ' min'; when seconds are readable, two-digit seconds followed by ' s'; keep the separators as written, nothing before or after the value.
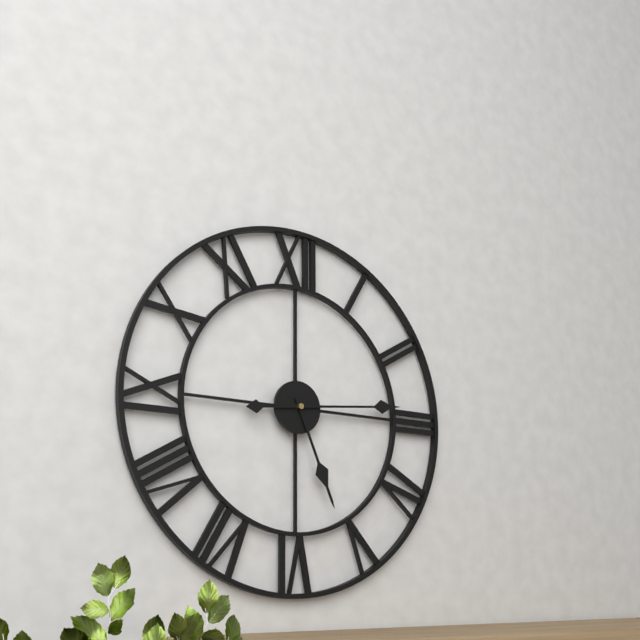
5 h 14 min
